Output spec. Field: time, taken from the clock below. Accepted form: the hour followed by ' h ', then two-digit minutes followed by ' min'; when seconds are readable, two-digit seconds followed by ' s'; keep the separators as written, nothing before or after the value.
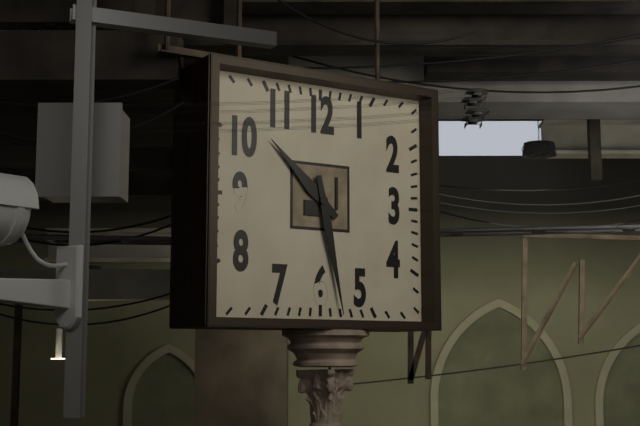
10 h 28 min
